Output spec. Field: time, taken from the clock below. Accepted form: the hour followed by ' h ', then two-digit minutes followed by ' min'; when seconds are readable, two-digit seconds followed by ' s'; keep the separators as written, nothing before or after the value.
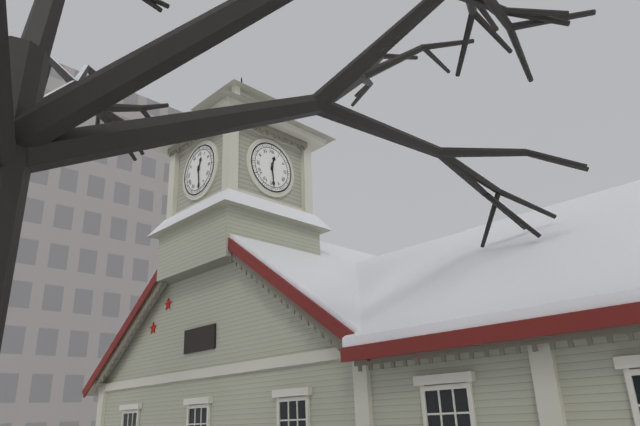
12 h 29 min
